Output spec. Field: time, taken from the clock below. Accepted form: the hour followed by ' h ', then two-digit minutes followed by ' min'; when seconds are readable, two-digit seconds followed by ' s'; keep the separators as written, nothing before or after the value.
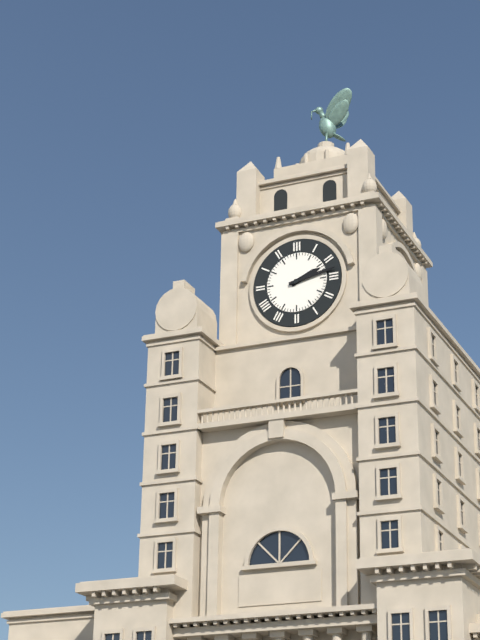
2 h 13 min
